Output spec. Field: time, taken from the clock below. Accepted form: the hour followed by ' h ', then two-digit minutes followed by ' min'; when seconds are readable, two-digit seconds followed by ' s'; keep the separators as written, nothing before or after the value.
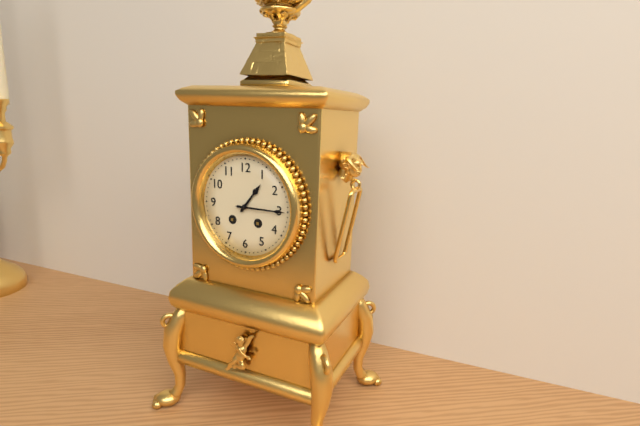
1 h 15 min
